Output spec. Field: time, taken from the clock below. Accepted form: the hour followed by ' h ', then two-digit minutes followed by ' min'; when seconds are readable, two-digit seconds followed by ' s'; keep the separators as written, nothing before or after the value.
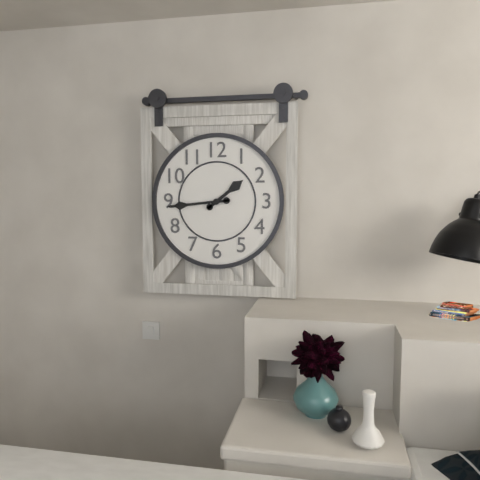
1 h 44 min
